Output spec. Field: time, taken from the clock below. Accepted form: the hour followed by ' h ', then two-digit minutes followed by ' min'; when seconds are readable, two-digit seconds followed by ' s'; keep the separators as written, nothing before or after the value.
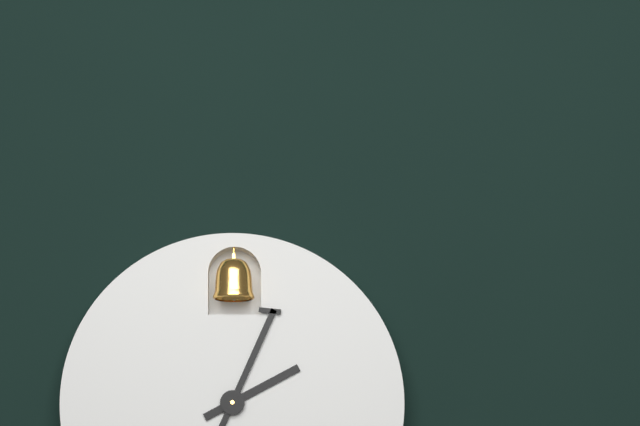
2 h 04 min
